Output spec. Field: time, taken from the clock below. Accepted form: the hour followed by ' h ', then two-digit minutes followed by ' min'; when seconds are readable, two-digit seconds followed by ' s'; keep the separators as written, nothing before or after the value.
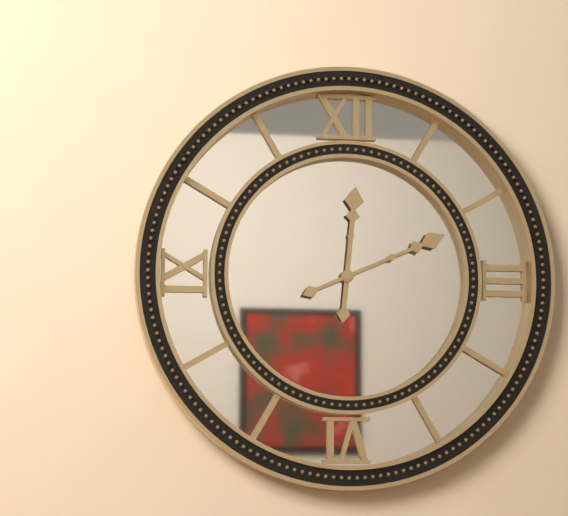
12 h 11 min
